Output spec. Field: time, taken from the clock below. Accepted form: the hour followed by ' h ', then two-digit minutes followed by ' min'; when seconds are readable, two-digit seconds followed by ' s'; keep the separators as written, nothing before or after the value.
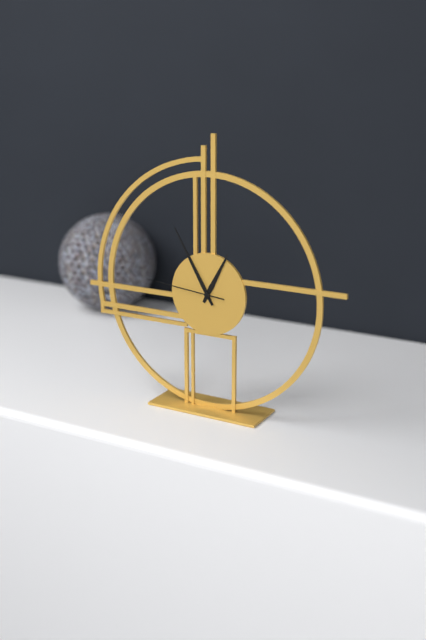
12 h 55 min 46 s
